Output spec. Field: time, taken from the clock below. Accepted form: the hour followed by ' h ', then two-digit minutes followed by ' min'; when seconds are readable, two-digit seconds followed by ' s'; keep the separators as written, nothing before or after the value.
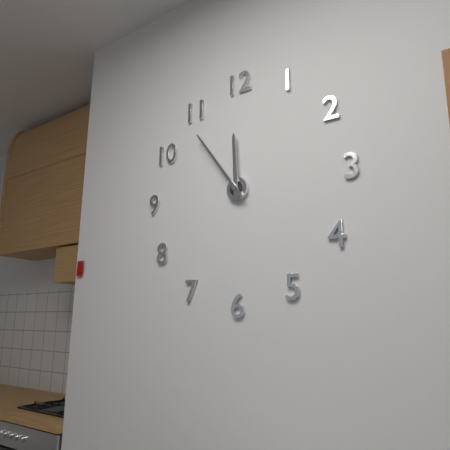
11 h 54 min
